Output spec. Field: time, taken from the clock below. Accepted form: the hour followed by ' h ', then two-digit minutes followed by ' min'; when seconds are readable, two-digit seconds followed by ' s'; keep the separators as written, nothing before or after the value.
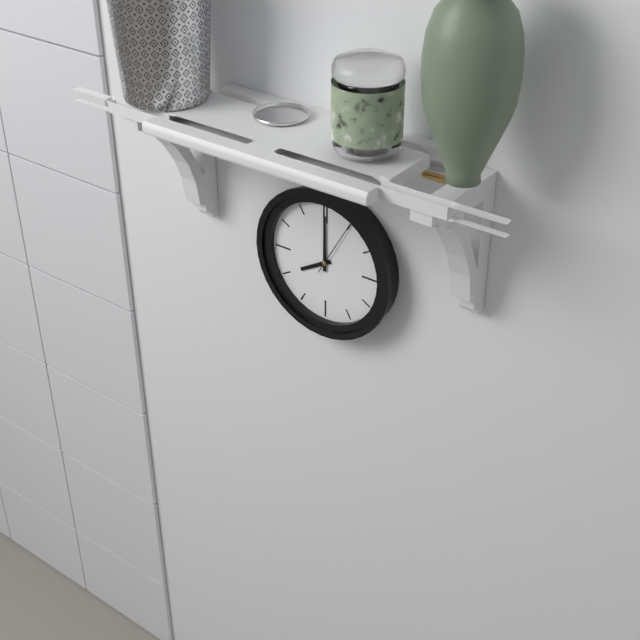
8 h 00 min 05 s
